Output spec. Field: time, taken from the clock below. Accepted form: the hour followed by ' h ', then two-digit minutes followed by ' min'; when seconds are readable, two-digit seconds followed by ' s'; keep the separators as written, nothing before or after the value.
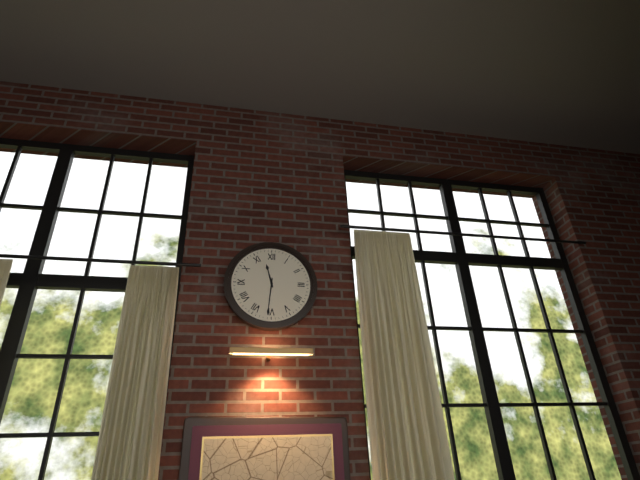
11 h 31 min
